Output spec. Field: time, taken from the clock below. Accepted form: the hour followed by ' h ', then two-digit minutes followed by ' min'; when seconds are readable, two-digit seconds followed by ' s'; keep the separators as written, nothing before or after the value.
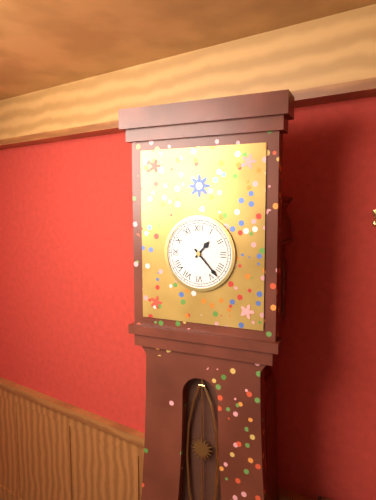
1 h 23 min
